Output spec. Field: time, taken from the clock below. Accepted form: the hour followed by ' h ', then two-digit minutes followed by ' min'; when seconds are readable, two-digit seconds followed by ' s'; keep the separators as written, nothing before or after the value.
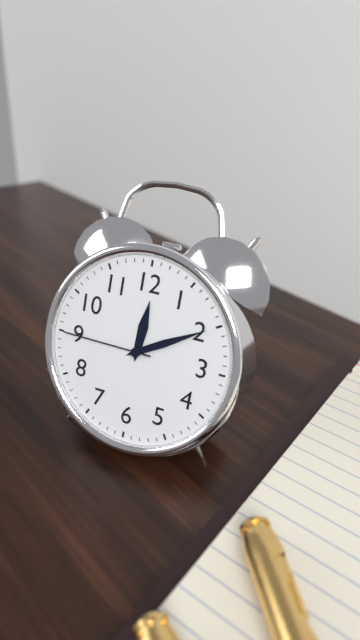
12 h 10 min 45 s
